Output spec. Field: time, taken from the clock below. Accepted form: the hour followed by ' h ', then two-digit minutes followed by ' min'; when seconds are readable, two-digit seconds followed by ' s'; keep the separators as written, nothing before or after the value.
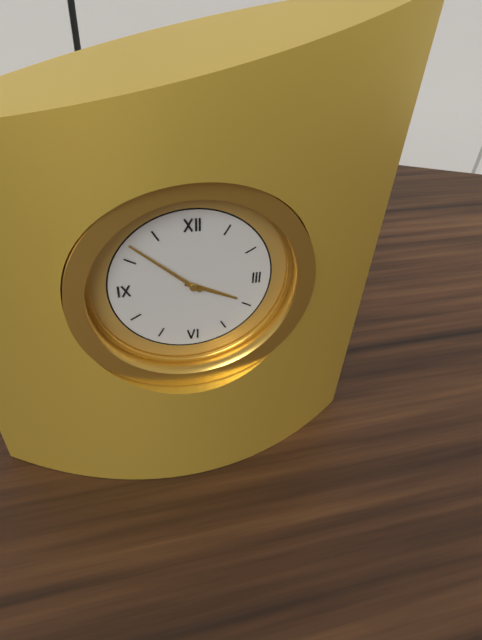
3 h 52 min
